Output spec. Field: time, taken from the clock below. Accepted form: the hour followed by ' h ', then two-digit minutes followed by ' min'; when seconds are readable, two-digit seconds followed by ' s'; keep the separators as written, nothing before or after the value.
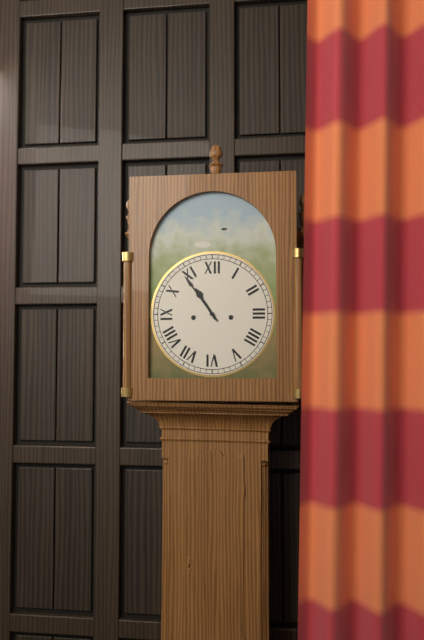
10 h 54 min
